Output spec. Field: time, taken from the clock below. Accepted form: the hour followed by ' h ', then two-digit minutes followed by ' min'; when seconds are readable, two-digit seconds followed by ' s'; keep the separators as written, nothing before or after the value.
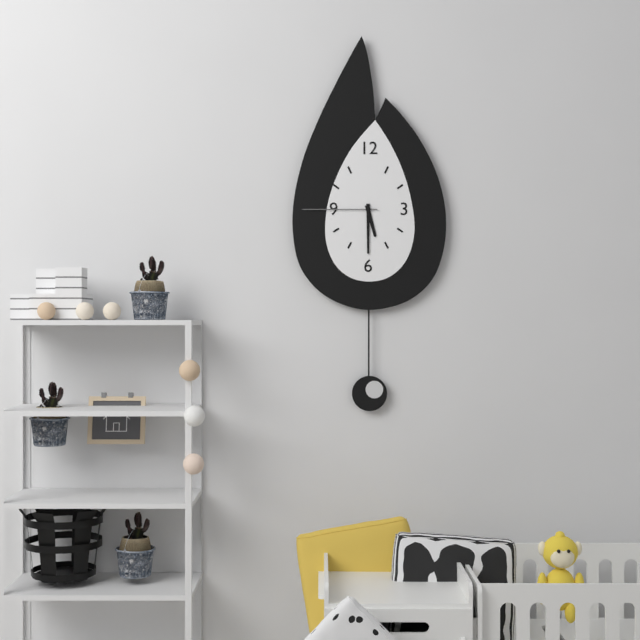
5 h 30 min 45 s
